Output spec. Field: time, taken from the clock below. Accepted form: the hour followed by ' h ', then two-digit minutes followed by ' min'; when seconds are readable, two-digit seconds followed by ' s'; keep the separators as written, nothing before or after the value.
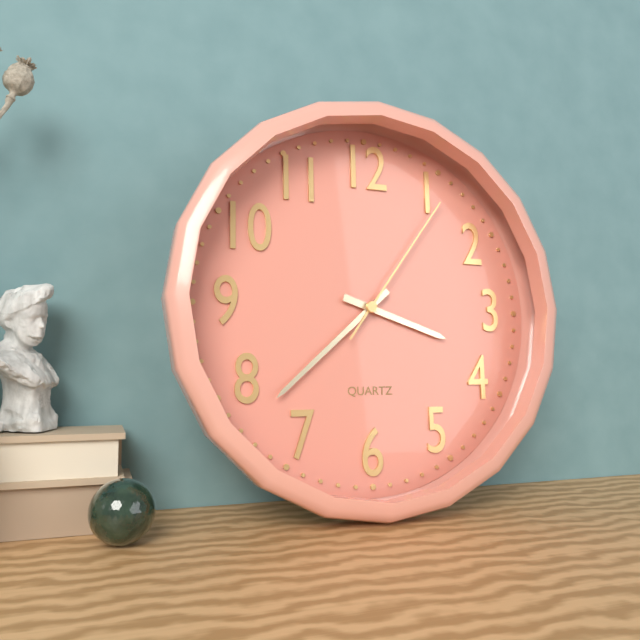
3 h 38 min 06 s
